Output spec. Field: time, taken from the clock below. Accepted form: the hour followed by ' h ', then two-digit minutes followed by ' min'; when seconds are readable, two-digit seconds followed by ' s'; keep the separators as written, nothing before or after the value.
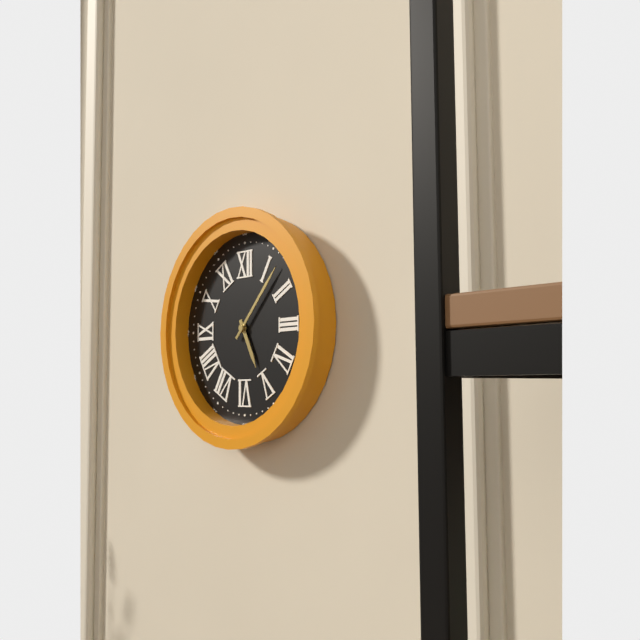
5 h 07 min
